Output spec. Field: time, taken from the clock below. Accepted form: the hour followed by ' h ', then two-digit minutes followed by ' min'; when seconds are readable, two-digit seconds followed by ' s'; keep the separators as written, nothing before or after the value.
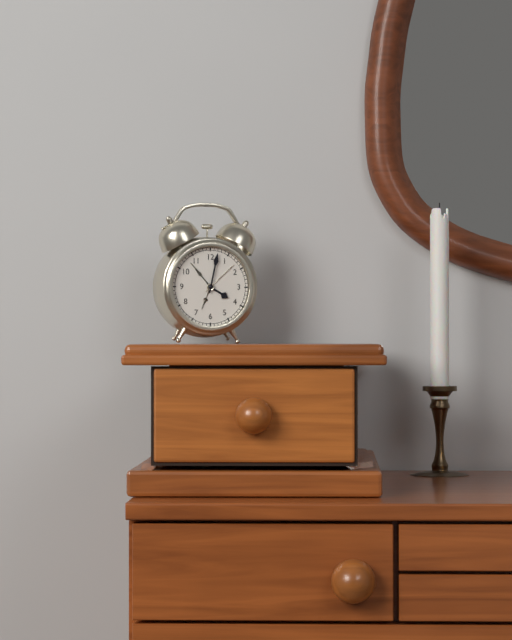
4 h 02 min
